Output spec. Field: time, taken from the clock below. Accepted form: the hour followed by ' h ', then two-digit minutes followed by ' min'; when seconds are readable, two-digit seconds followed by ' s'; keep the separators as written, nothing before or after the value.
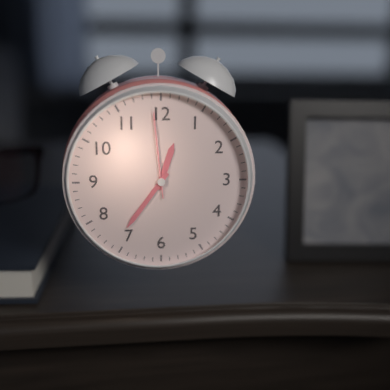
12 h 36 min 59 s
